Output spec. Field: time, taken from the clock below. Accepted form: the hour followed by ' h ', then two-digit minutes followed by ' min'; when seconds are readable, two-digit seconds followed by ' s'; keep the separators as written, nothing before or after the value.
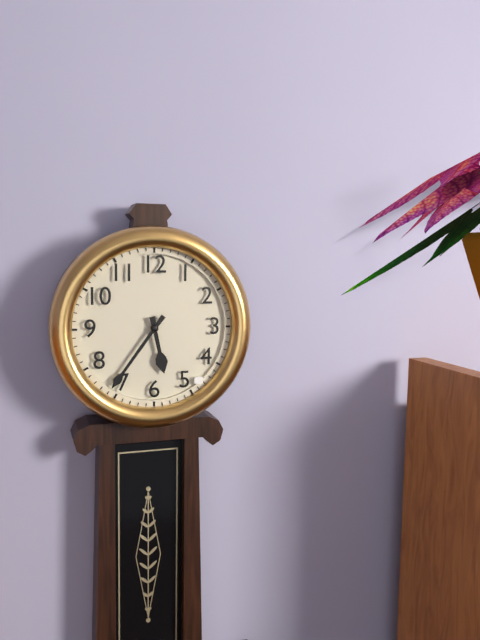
5 h 36 min
